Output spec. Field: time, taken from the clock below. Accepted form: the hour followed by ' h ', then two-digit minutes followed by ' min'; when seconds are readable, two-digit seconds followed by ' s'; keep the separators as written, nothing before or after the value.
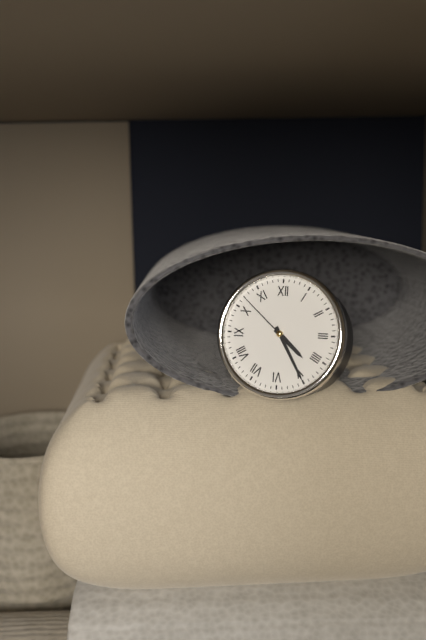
4 h 25 min 52 s
